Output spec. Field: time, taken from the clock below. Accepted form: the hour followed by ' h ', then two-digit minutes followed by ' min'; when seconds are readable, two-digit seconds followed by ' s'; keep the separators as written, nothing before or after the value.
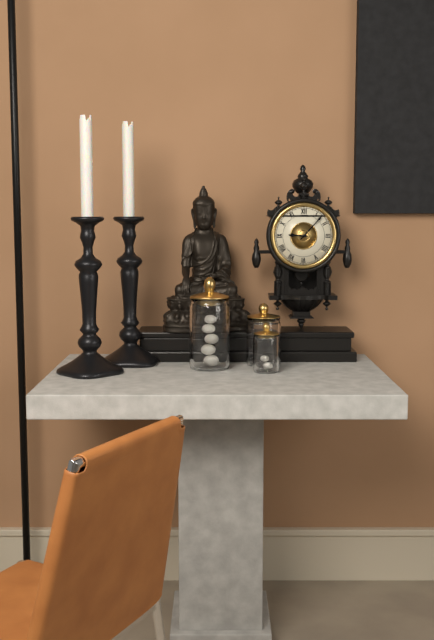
9 h 07 min
